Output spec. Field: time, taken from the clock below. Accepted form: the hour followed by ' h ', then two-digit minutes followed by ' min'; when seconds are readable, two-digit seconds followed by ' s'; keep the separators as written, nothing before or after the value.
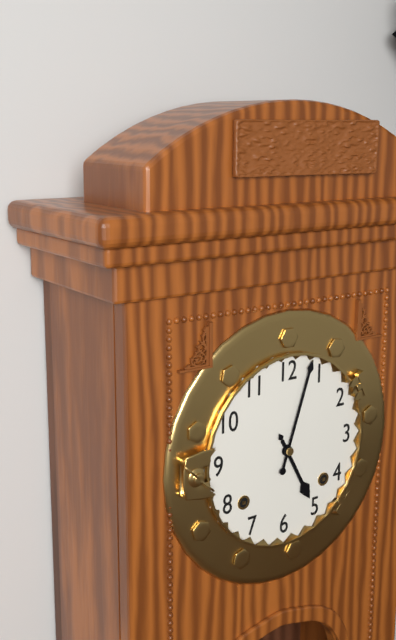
5 h 03 min
